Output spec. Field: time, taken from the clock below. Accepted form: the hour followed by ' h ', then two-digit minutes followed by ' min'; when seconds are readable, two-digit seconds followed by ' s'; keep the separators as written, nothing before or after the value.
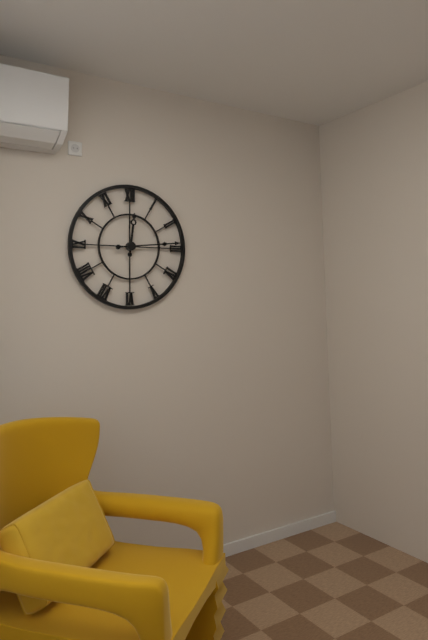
12 h 14 min
